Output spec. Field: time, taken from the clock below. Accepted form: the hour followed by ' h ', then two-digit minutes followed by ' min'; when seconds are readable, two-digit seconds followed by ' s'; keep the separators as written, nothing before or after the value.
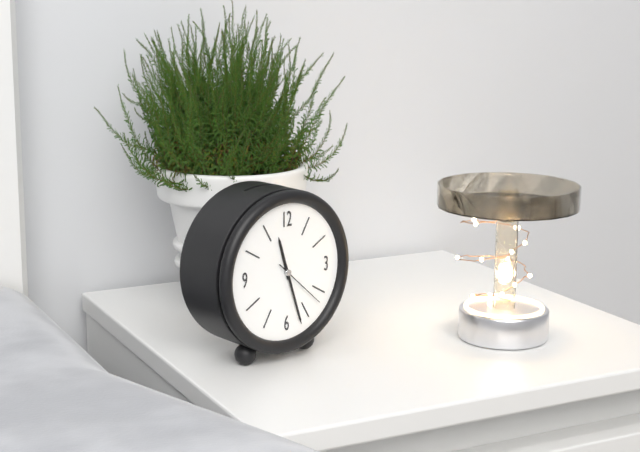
11 h 27 min 22 s
